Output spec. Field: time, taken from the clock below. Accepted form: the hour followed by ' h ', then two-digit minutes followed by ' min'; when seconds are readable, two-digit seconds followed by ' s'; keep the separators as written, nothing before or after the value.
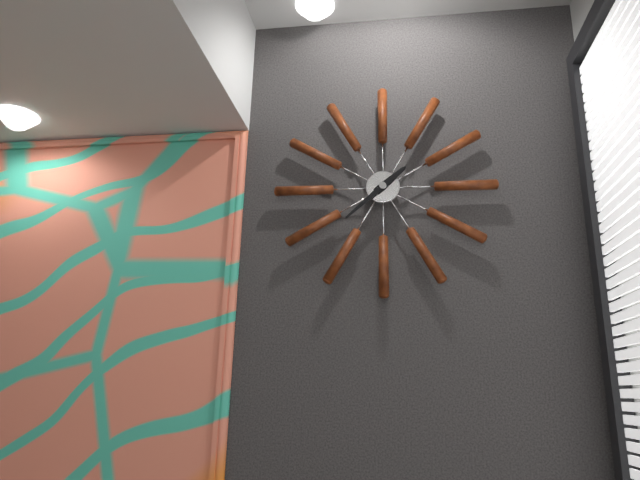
1 h 38 min
